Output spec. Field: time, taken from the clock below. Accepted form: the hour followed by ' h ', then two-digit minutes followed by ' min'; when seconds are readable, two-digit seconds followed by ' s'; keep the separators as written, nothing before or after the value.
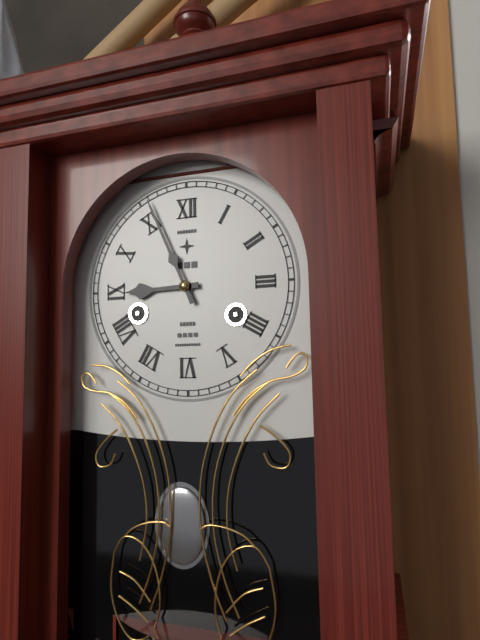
8 h 56 min
